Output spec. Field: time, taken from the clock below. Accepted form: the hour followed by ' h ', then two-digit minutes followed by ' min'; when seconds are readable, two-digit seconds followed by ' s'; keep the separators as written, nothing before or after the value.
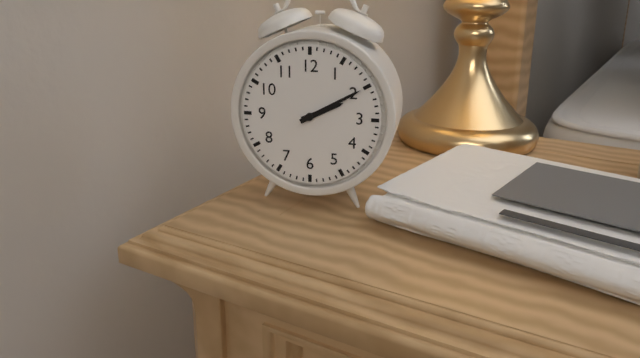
2 h 10 min
